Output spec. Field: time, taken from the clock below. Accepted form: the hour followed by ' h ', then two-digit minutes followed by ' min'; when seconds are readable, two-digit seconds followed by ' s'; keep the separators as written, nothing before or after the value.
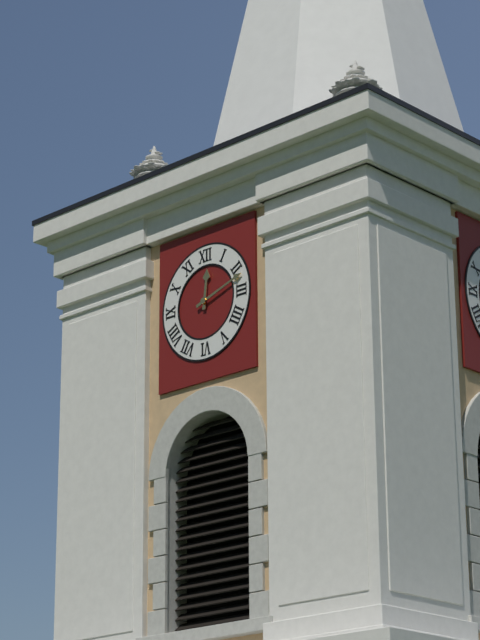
12 h 12 min
